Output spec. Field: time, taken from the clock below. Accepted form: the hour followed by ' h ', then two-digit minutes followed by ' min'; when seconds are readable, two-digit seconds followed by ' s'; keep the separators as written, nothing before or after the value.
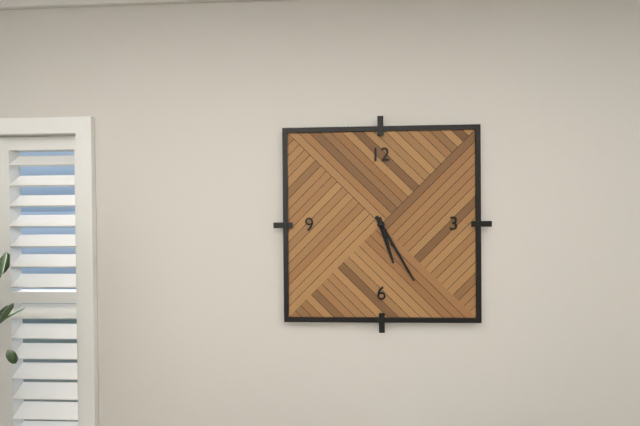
5 h 25 min
